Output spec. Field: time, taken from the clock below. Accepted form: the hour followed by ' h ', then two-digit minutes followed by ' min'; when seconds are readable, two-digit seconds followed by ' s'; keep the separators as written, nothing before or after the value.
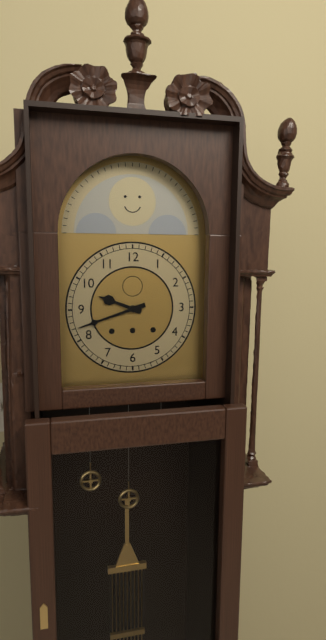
9 h 42 min
